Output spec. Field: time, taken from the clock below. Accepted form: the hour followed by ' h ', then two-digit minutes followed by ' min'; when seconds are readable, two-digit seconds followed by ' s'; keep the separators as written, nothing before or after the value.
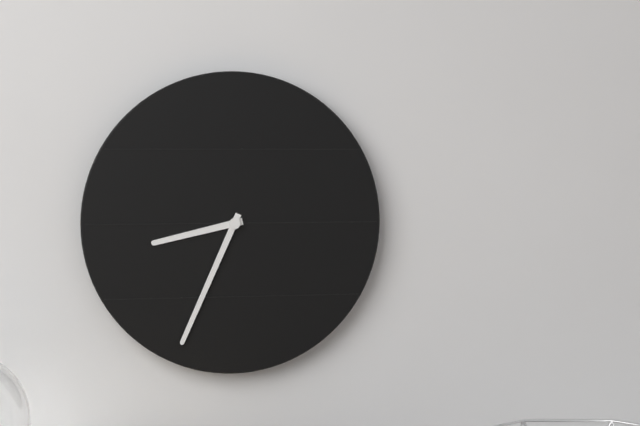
8 h 34 min
